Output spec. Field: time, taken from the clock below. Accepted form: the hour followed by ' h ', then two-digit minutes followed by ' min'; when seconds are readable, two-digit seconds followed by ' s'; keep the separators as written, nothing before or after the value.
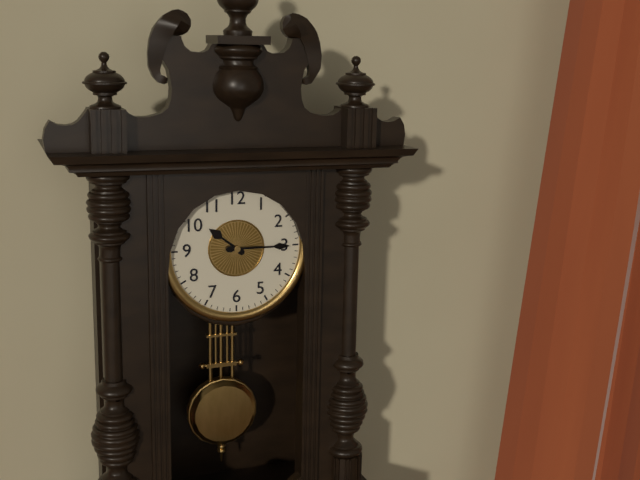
10 h 15 min
